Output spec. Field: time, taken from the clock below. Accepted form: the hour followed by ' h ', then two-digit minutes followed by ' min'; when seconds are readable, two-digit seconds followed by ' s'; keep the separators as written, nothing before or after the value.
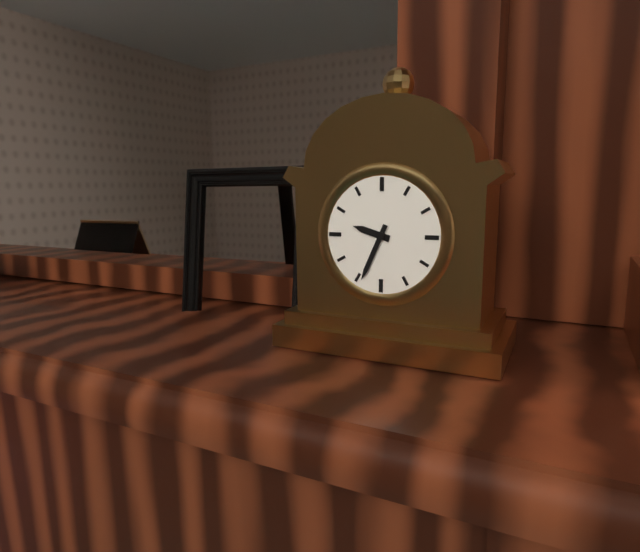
9 h 34 min
